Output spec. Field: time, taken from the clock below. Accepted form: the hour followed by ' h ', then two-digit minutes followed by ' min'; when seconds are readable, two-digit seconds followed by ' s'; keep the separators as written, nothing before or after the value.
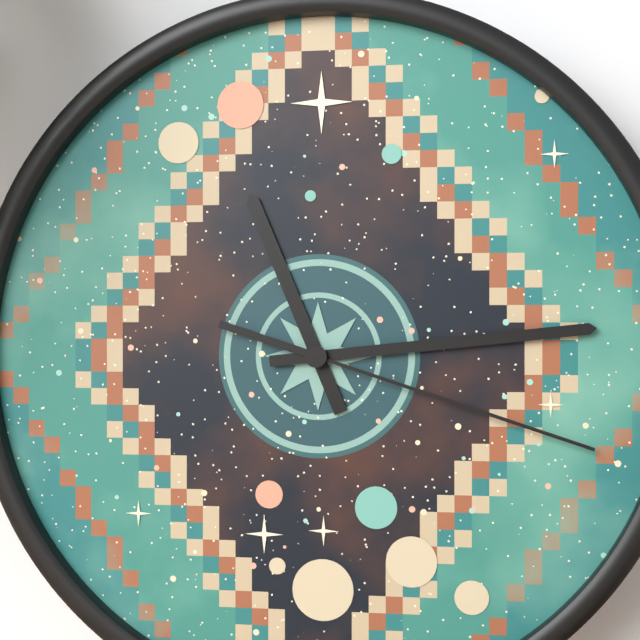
11 h 14 min 18 s
